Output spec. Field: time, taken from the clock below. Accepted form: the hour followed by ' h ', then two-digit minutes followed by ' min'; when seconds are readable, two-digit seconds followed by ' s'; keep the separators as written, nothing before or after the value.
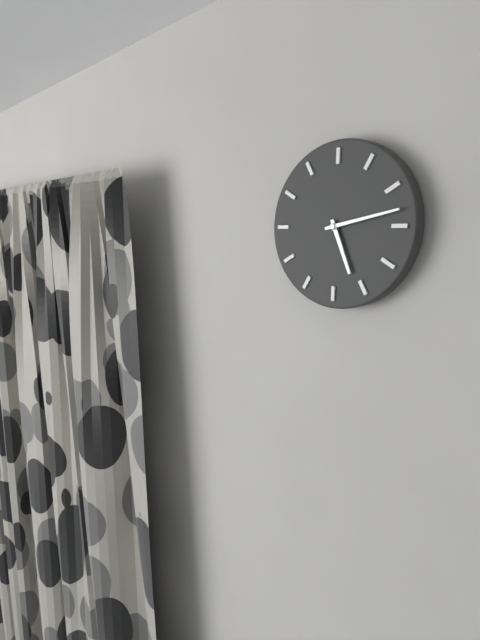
5 h 13 min
